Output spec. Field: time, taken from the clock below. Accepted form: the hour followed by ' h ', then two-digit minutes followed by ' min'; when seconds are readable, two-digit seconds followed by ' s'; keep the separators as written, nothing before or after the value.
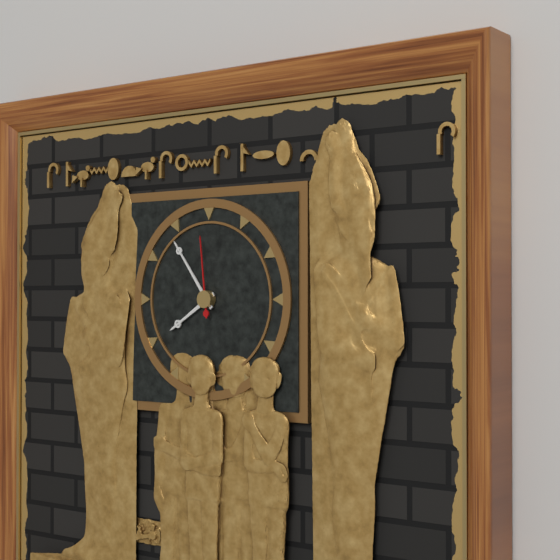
7 h 54 min 59 s
